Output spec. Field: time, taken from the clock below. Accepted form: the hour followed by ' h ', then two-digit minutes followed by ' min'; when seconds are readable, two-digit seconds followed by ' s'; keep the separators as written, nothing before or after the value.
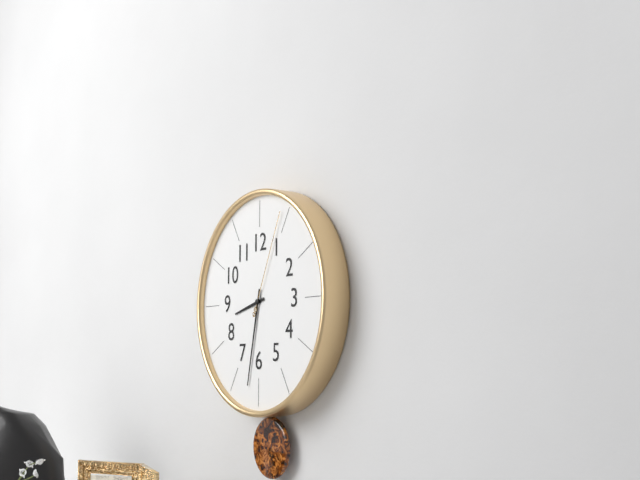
8 h 32 min 04 s
